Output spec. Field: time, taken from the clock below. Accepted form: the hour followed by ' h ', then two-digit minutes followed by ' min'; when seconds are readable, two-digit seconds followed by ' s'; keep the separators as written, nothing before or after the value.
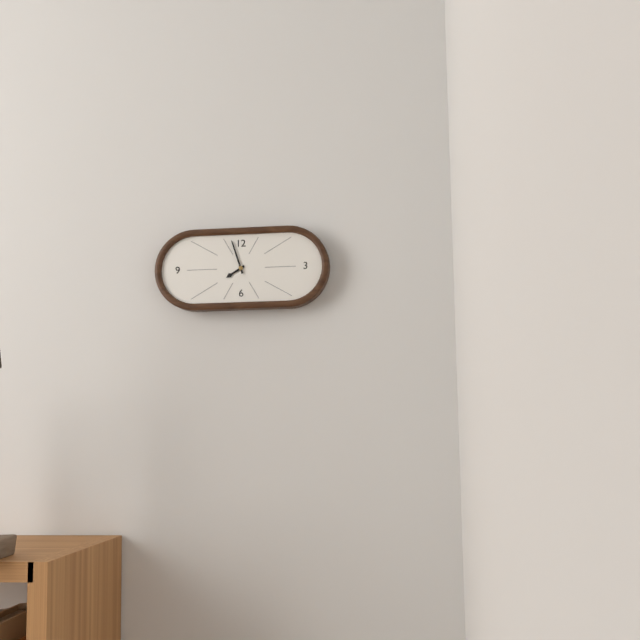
7 h 57 min
